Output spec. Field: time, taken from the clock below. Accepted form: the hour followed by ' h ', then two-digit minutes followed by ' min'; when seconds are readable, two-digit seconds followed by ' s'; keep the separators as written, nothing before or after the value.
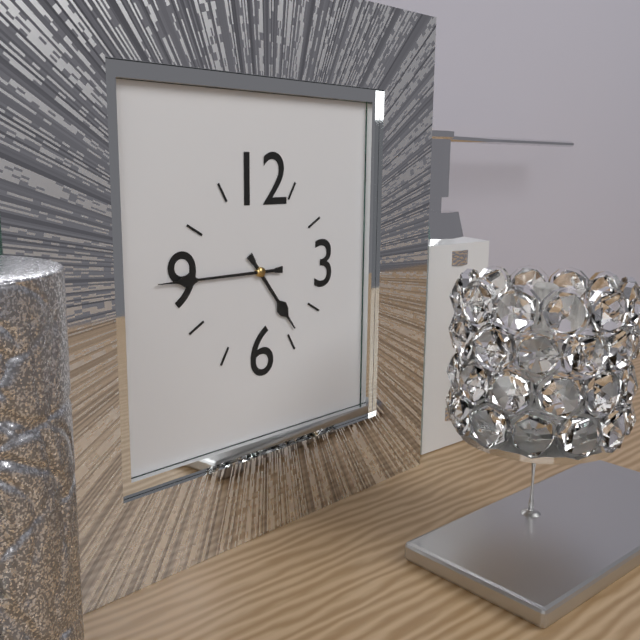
4 h 45 min
